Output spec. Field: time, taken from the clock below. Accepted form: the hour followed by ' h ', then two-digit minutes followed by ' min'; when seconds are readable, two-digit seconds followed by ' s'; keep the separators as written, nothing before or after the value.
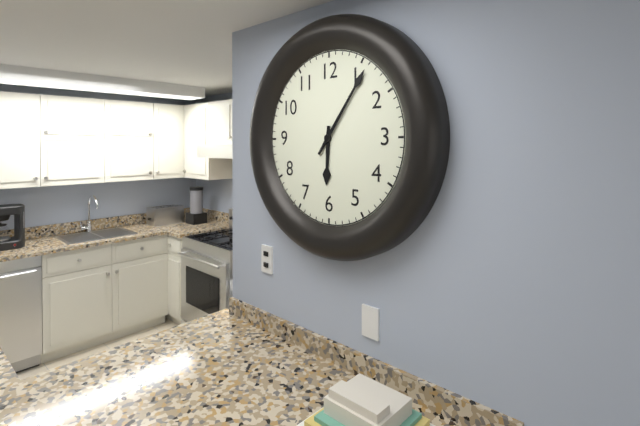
6 h 06 min
